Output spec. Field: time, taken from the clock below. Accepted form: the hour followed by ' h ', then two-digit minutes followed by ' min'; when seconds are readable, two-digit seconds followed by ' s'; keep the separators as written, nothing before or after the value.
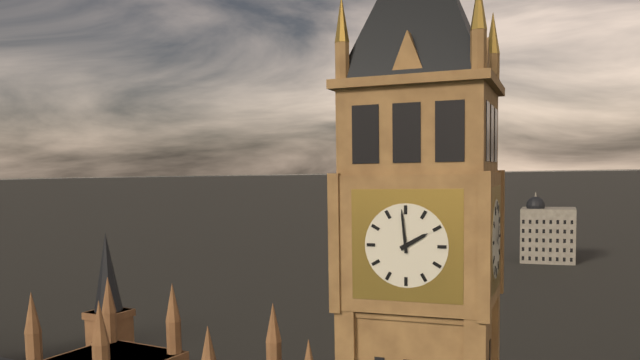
1 h 59 min
